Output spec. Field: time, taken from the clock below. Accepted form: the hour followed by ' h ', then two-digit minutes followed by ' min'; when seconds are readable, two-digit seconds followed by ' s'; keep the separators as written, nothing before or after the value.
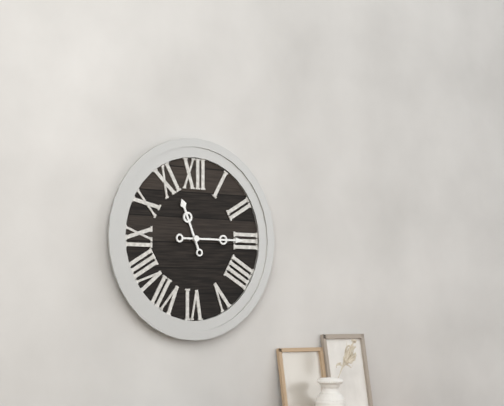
11 h 15 min
